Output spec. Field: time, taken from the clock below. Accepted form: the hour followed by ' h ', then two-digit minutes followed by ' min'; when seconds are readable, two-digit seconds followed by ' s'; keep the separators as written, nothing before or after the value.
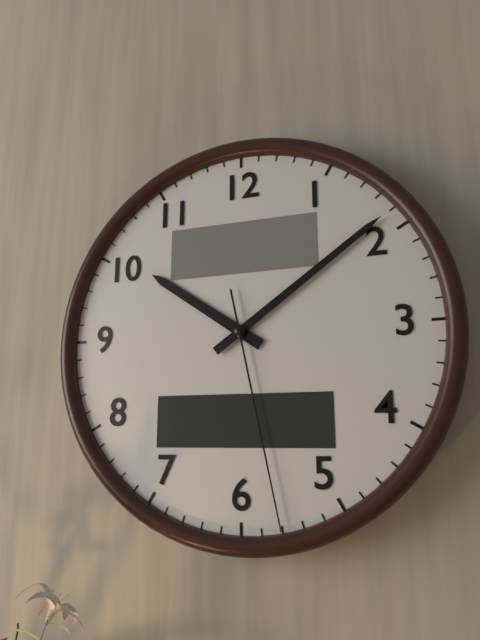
10 h 09 min 28 s
